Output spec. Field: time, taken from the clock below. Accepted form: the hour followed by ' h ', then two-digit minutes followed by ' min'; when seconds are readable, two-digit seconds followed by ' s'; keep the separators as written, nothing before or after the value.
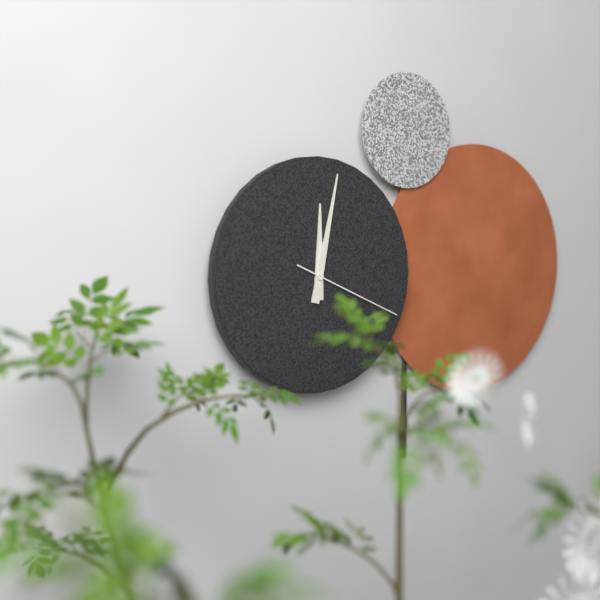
12 h 02 min 19 s
